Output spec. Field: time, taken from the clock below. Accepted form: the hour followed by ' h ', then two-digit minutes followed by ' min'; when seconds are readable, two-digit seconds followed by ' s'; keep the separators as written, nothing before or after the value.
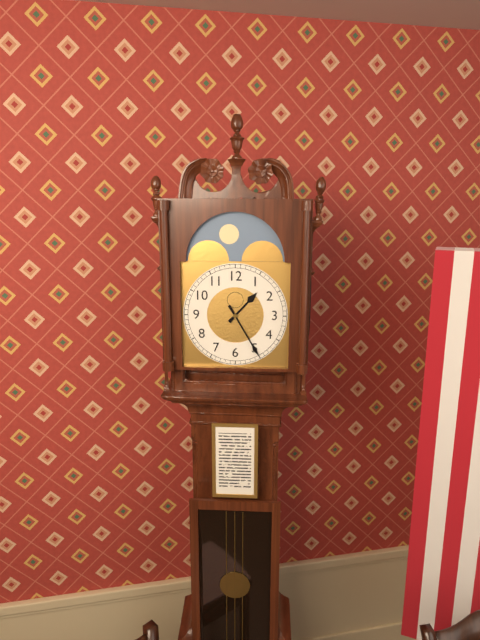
1 h 25 min
